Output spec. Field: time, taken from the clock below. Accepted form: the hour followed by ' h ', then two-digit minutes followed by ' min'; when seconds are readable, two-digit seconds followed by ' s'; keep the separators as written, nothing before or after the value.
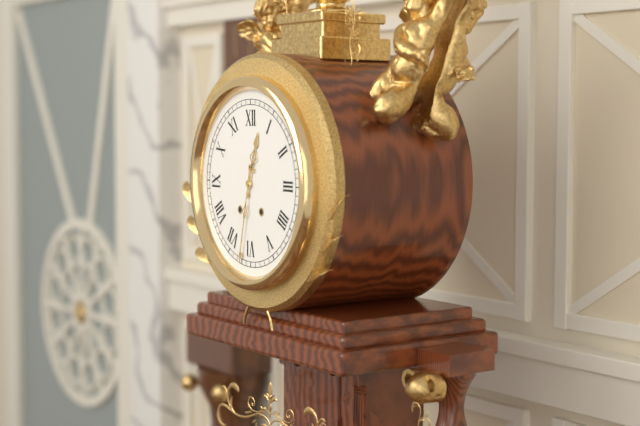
12 h 32 min
